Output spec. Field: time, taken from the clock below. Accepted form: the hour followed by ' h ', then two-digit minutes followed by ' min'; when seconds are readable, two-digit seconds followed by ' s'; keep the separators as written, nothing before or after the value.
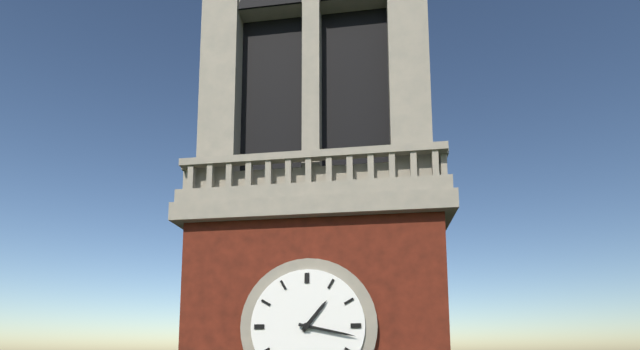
1 h 17 min
